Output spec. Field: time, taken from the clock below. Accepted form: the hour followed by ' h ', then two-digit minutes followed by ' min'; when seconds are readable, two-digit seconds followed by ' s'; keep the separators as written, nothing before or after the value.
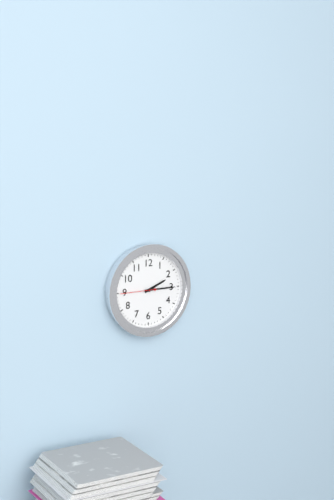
2 h 15 min
